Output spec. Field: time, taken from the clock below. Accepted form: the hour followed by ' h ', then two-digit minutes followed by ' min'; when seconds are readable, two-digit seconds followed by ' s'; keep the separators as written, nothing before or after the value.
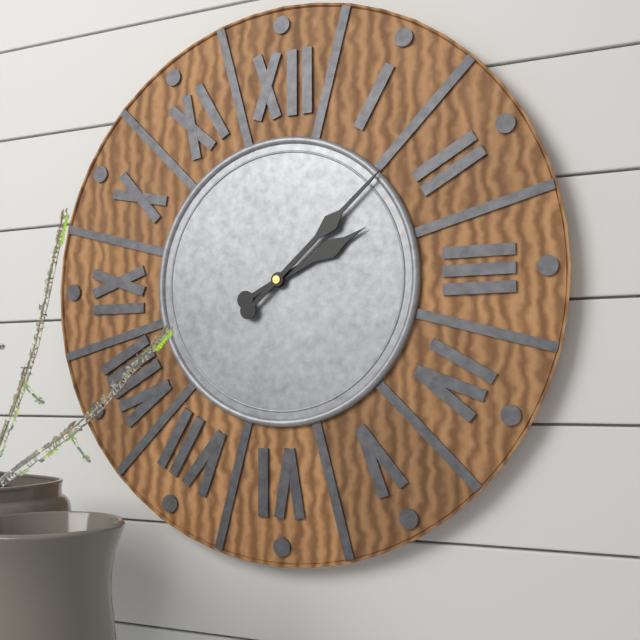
2 h 08 min
